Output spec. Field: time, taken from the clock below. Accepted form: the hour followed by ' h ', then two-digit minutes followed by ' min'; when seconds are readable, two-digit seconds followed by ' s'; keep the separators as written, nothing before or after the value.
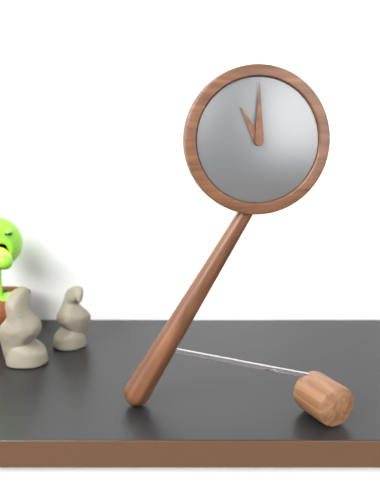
11 h 00 min
